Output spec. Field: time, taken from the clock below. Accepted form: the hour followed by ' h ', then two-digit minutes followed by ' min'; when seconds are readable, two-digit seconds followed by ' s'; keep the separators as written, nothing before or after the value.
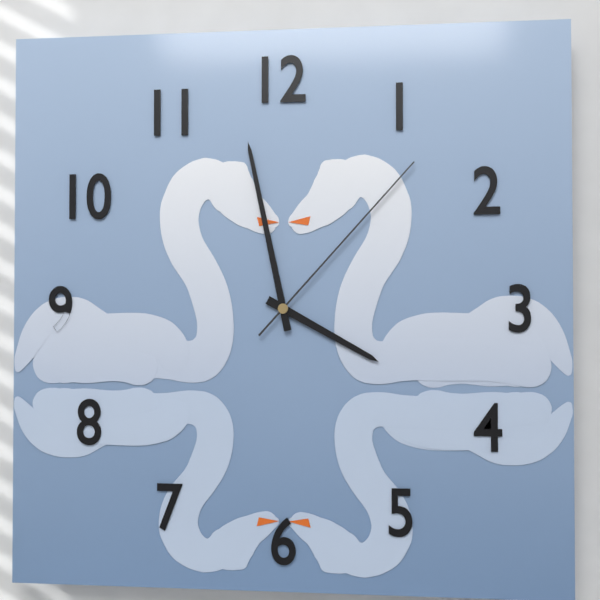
3 h 58 min 07 s
